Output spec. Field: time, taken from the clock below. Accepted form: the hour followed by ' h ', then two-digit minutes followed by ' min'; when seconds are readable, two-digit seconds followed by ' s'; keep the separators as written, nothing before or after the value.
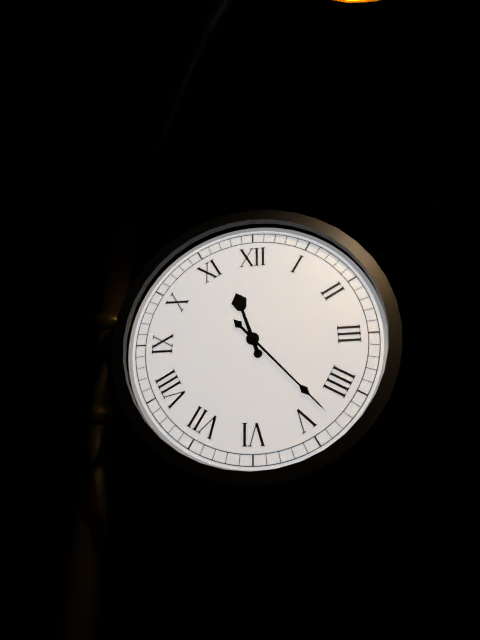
11 h 23 min
